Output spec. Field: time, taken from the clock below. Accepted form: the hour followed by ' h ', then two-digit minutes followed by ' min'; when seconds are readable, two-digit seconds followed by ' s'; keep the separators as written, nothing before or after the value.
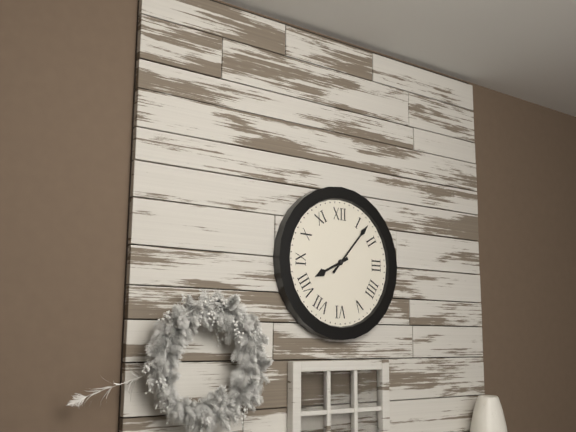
8 h 07 min
